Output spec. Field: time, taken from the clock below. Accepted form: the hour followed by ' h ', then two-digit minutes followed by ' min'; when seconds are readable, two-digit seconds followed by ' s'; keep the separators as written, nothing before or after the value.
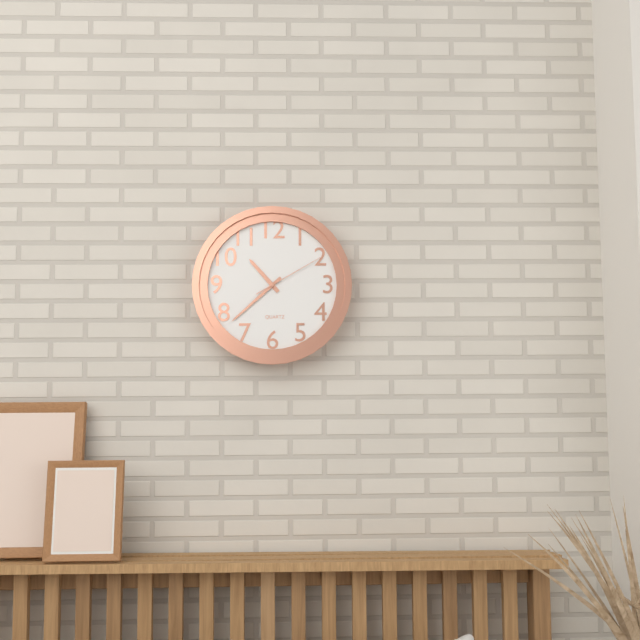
10 h 38 min 10 s
